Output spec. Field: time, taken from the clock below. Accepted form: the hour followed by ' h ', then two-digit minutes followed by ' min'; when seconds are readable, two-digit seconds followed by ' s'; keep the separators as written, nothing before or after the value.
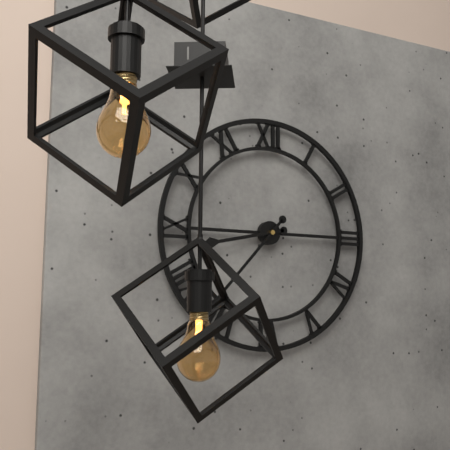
8 h 37 min
